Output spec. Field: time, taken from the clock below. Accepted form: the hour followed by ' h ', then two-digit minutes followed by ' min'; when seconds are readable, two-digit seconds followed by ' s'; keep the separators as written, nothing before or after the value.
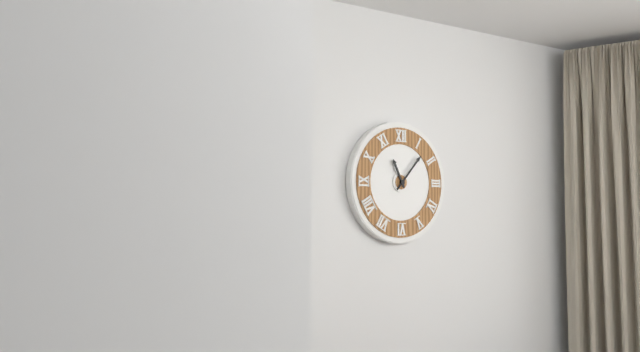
11 h 07 min
